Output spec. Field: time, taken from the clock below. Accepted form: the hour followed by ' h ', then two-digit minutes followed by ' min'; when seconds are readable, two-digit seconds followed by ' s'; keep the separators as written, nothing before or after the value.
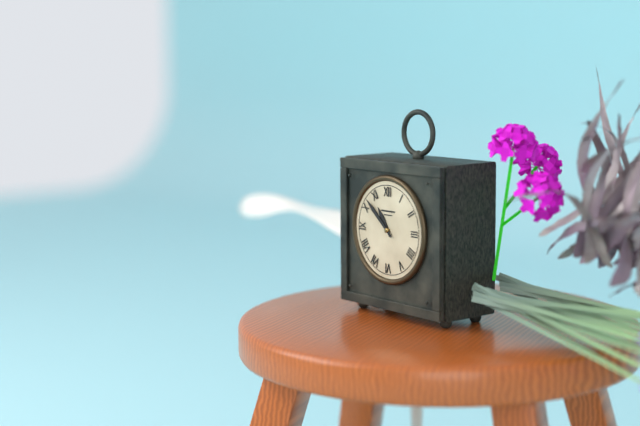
10 h 52 min
